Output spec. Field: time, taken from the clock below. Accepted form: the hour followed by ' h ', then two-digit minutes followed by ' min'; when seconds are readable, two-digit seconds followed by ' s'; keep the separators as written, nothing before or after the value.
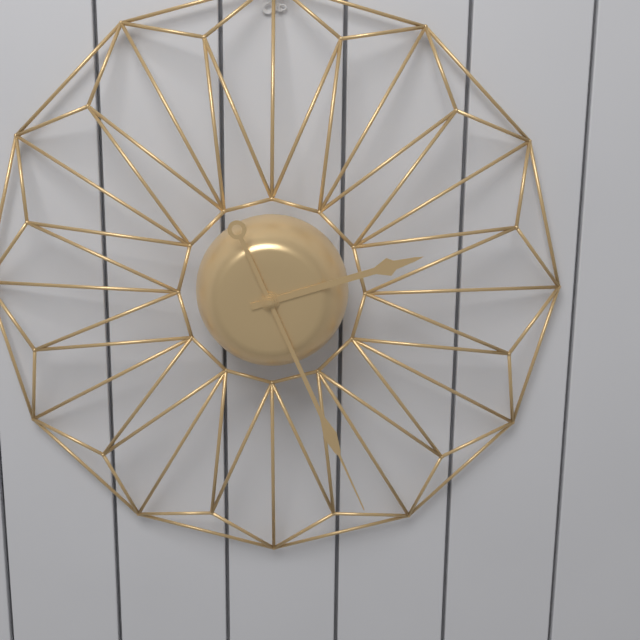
2 h 26 min
